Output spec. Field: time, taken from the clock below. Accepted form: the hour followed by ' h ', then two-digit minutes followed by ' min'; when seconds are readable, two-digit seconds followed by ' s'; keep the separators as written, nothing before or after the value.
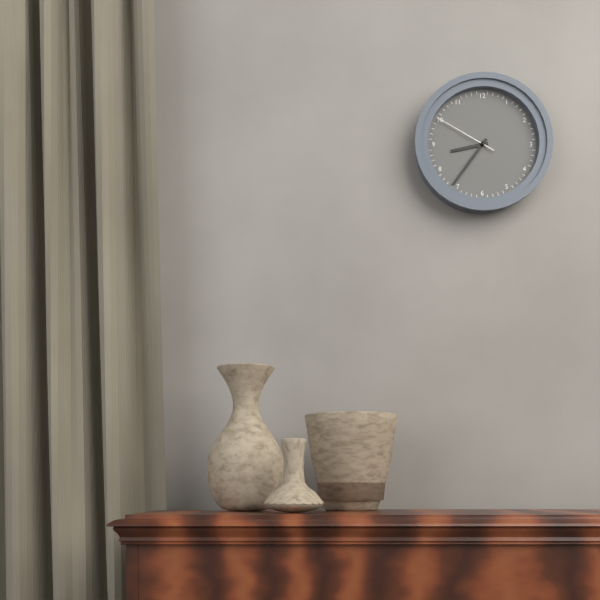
8 h 36 min 50 s
